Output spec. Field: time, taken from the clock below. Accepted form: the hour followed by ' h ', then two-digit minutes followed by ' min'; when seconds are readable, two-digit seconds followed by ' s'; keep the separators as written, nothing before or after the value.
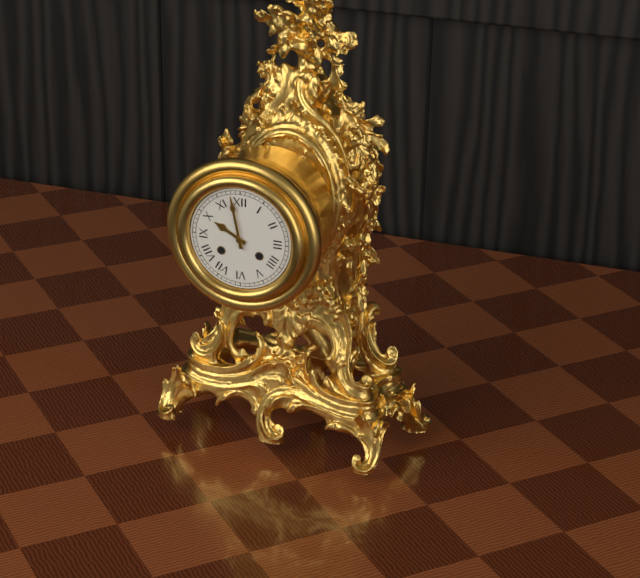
9 h 58 min
